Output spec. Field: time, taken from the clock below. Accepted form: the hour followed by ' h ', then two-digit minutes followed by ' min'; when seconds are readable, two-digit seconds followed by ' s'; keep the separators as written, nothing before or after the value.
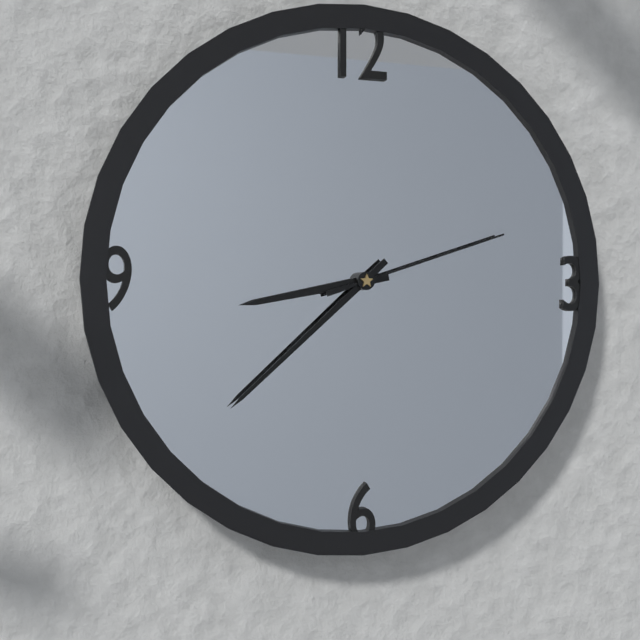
8 h 38 min 12 s
